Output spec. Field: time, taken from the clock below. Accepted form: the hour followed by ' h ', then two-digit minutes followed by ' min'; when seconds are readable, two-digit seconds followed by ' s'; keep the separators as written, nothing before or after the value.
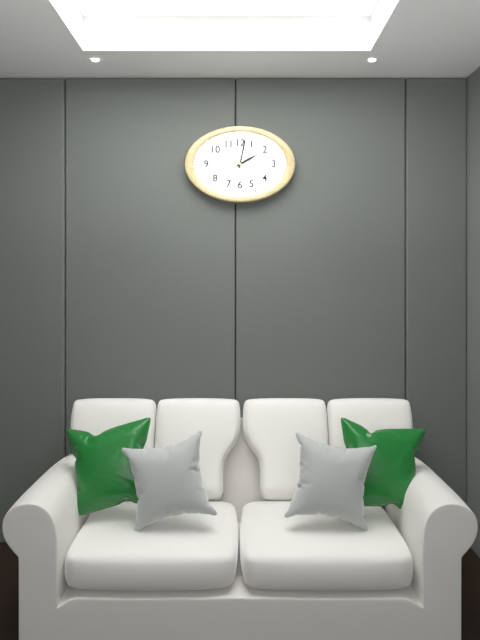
2 h 02 min
